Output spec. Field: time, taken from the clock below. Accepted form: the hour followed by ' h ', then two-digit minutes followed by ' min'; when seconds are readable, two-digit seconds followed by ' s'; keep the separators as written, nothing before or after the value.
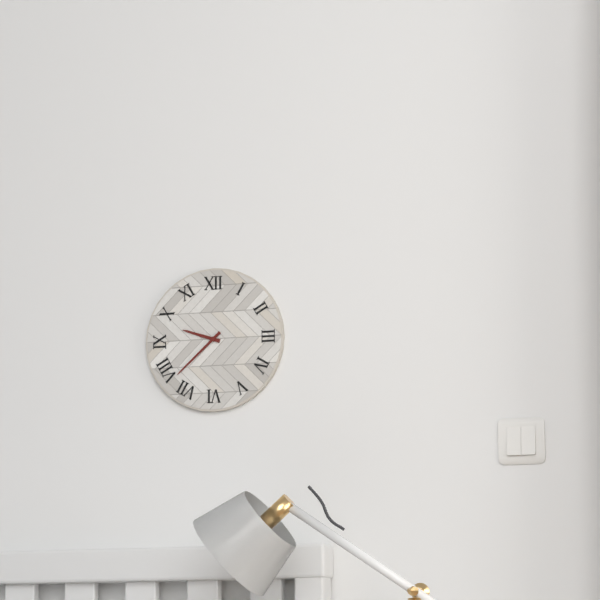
9 h 38 min
